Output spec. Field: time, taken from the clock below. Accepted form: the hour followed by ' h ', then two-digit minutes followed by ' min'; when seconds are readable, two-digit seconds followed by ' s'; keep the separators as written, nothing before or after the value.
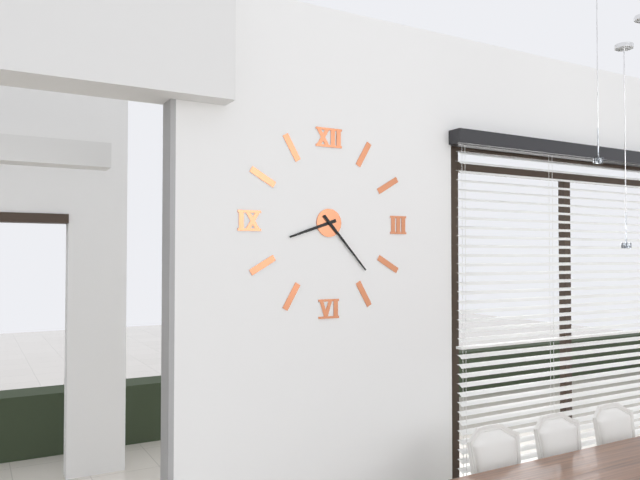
8 h 23 min
